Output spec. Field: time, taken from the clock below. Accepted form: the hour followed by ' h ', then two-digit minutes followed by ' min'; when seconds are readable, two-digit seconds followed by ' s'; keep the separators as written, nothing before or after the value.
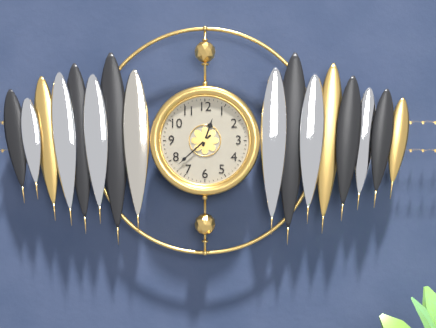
12 h 38 min
